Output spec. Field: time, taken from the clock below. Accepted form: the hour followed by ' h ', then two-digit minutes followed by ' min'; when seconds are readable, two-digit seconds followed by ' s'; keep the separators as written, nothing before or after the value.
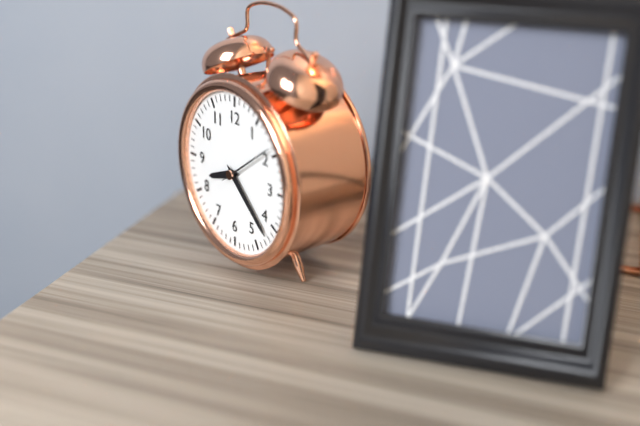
8 h 22 min 09 s
